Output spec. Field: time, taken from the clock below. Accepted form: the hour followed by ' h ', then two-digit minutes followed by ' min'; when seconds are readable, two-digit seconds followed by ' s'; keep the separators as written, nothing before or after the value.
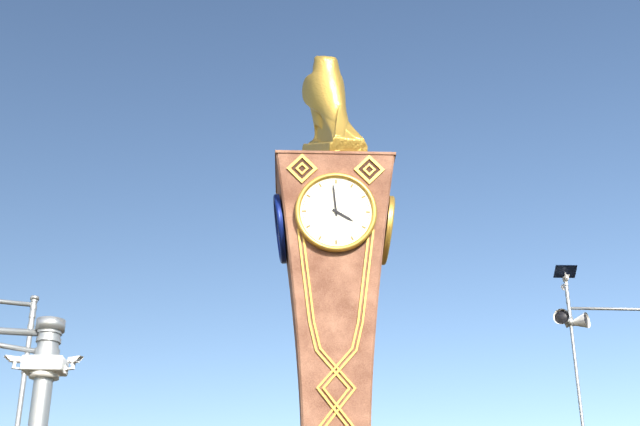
3 h 59 min
